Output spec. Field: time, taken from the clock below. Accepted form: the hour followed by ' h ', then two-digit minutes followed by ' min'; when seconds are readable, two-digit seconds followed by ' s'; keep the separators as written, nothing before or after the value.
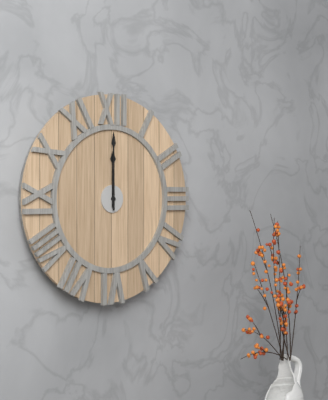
12 h 00 min
